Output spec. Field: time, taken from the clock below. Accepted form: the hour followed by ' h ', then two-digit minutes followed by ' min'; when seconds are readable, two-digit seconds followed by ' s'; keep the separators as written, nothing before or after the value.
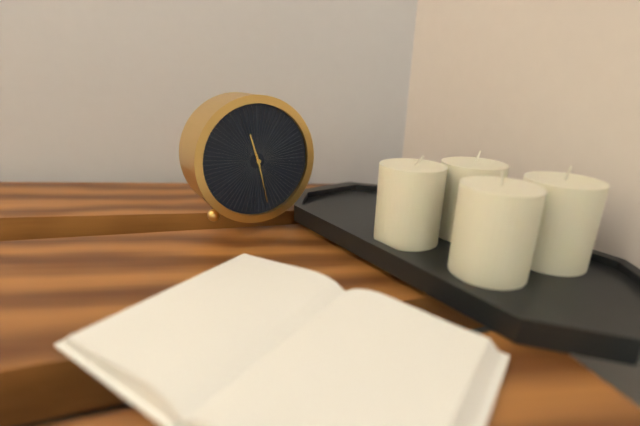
11 h 28 min
